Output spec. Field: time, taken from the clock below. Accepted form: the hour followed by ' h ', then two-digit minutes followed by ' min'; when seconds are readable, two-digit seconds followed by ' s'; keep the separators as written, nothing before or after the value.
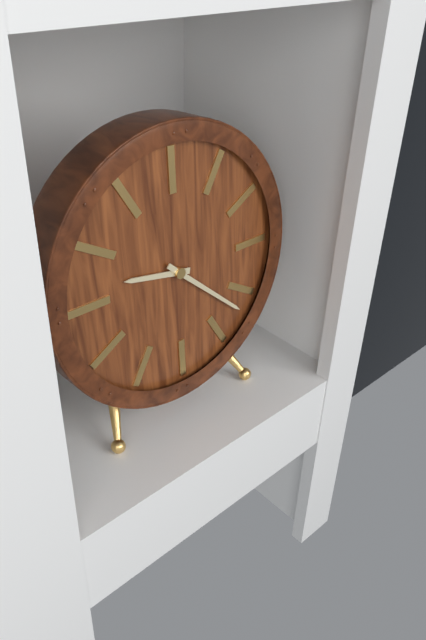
9 h 22 min
